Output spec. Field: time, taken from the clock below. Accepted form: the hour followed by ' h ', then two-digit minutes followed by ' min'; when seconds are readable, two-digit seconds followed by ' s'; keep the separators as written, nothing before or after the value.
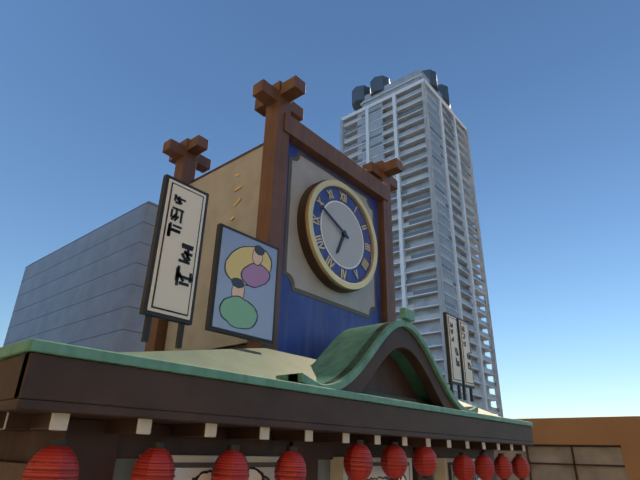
6 h 49 min
